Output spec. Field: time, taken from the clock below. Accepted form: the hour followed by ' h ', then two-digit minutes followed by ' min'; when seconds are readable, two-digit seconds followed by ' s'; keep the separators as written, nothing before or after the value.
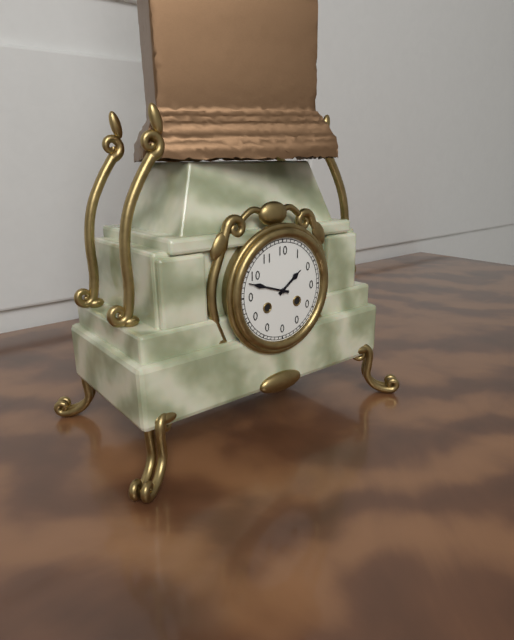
1 h 48 min
